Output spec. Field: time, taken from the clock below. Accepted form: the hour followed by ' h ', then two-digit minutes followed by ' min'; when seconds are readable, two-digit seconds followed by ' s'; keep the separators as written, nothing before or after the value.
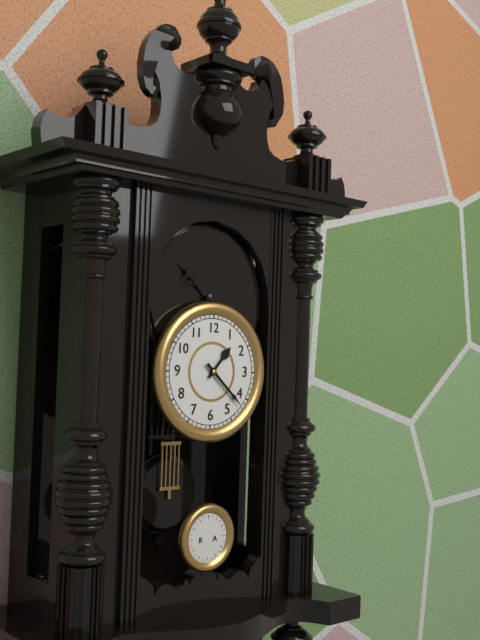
1 h 22 min
